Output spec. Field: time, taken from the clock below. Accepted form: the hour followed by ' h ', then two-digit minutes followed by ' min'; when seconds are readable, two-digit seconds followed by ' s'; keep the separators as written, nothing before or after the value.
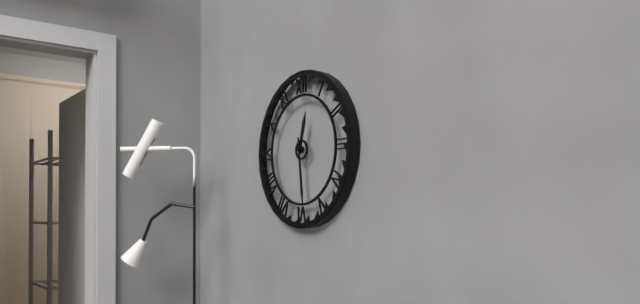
12 h 29 min
